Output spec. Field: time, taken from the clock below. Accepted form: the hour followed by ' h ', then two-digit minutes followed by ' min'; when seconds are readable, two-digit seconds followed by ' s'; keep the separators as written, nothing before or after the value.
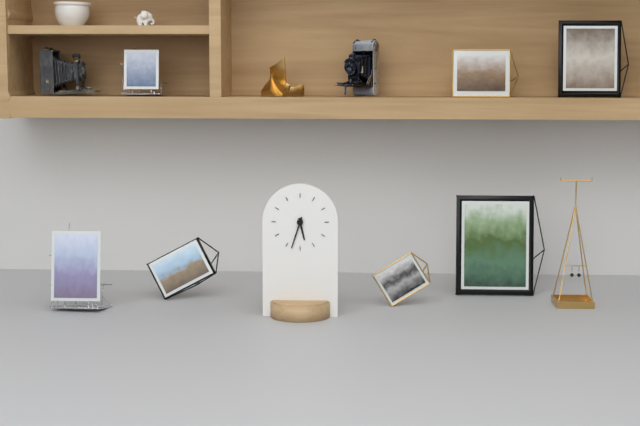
5 h 33 min
